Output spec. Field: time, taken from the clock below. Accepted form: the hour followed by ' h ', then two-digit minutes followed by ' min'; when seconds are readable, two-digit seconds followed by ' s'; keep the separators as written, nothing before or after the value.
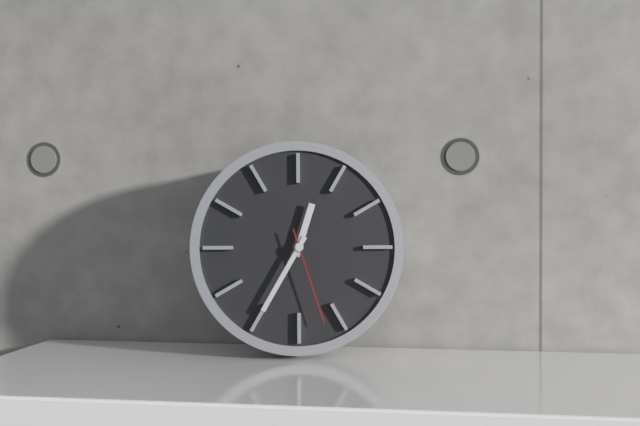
12 h 35 min 27 s
